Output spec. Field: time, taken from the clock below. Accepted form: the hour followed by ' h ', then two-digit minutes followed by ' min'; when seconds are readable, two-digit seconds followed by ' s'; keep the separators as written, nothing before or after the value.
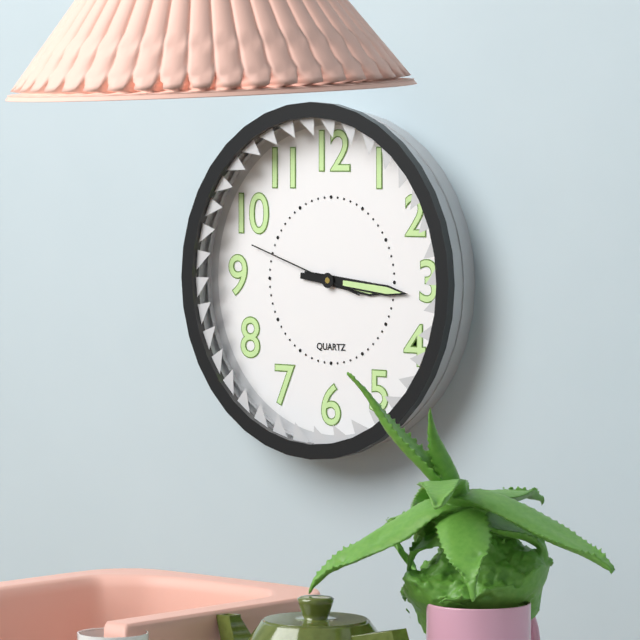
3 h 16 min 48 s
